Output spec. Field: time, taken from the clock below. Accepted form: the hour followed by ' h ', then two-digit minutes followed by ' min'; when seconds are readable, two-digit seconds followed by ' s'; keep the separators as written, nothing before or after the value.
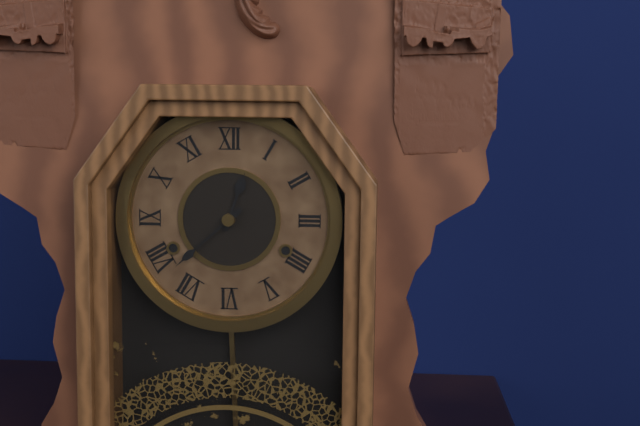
12 h 38 min
